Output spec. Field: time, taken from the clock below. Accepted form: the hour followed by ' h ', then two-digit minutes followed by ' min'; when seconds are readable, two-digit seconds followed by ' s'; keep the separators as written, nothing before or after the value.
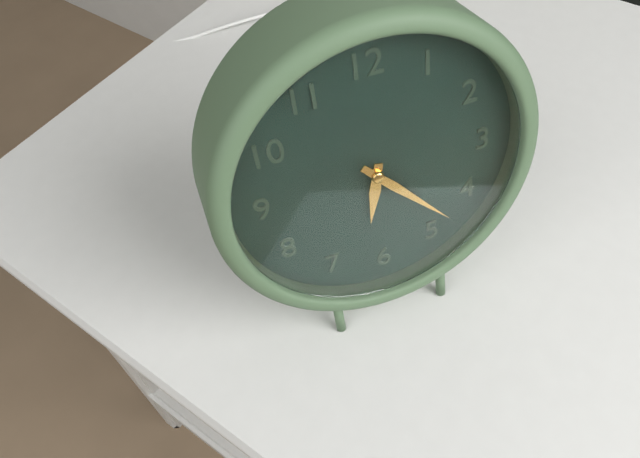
6 h 23 min
